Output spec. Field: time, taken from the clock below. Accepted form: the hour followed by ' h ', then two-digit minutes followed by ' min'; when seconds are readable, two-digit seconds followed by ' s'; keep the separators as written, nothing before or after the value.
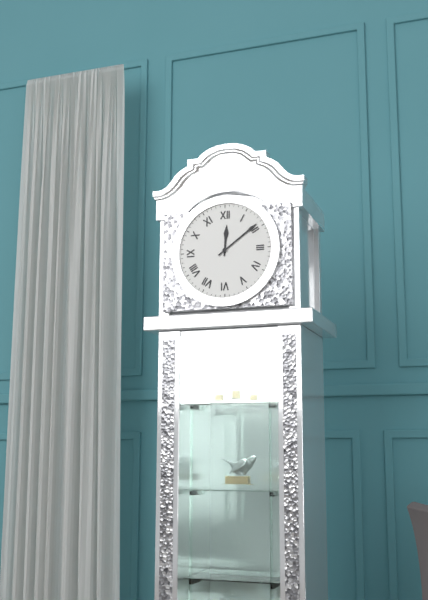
12 h 09 min
